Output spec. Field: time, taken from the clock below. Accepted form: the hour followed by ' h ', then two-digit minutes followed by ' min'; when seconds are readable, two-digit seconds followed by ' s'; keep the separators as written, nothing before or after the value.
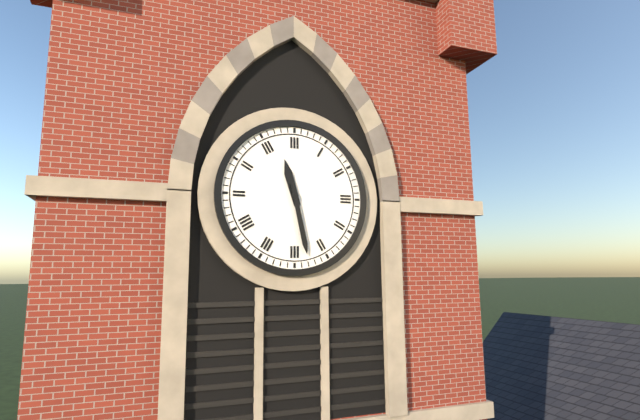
11 h 28 min
